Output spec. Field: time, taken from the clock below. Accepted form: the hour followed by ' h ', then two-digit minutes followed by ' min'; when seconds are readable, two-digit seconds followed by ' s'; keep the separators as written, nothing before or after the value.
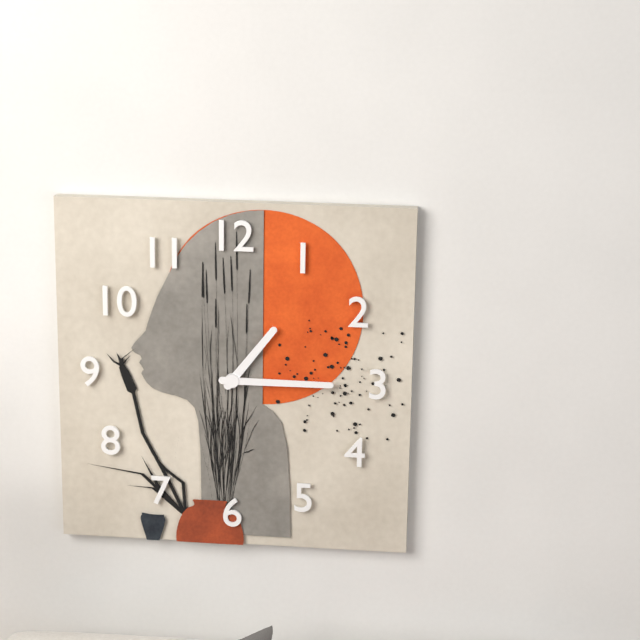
1 h 15 min
